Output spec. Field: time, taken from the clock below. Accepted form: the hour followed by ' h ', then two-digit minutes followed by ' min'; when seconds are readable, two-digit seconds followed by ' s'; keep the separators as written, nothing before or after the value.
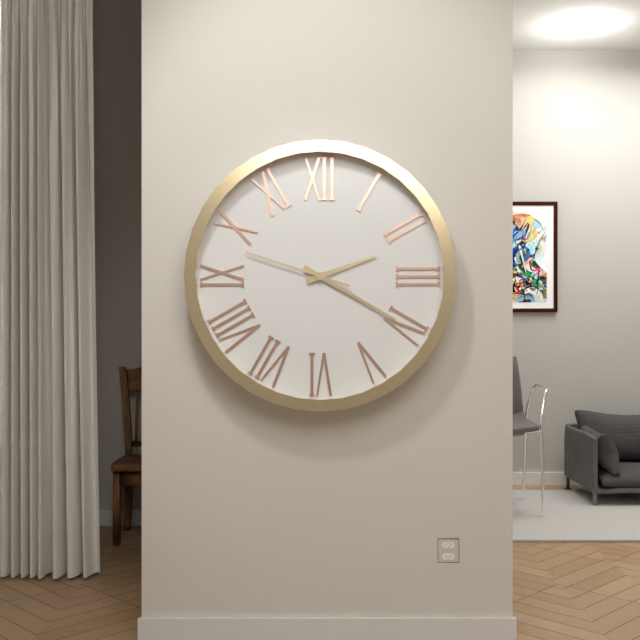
2 h 20 min 48 s
